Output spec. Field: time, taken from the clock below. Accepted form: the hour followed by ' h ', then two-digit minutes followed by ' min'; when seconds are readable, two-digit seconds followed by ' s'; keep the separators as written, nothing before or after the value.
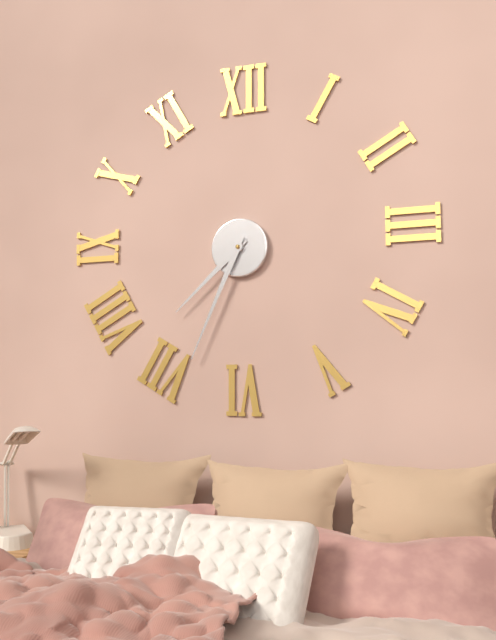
7 h 34 min
